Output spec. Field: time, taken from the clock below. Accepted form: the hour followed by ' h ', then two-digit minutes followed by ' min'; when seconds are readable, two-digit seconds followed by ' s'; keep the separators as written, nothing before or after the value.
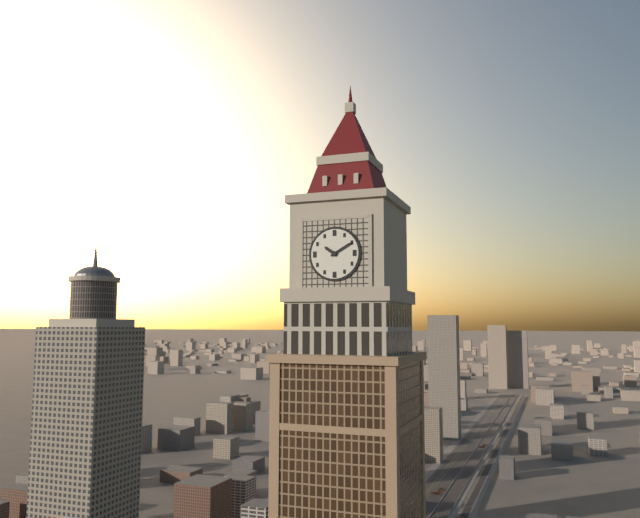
10 h 10 min
